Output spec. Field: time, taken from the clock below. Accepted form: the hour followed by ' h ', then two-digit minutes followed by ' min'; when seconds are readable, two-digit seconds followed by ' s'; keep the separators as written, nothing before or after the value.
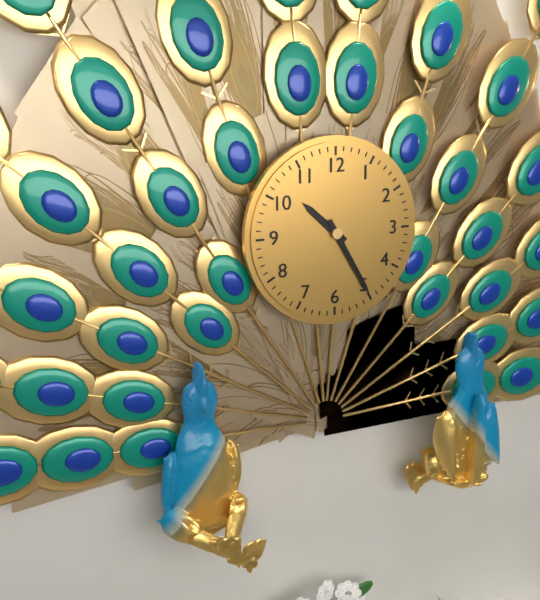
10 h 25 min
